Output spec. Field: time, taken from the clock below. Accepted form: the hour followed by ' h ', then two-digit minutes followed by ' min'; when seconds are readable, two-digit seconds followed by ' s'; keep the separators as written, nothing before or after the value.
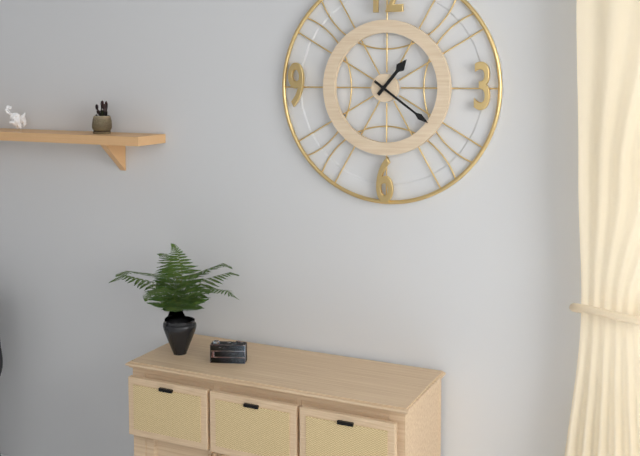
1 h 21 min
